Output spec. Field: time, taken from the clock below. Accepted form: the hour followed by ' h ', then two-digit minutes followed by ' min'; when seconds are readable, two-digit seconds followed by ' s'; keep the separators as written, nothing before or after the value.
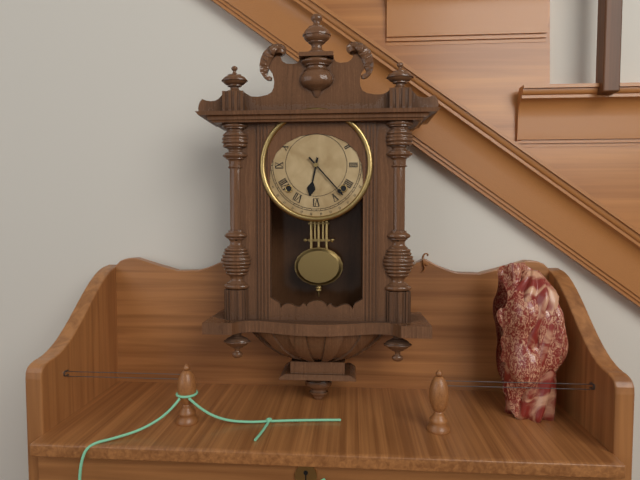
6 h 23 min
